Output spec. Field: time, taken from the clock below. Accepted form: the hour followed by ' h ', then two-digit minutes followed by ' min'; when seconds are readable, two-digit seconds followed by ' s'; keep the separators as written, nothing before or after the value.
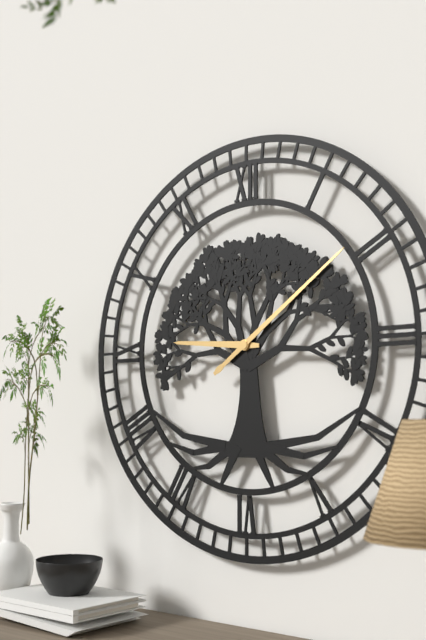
9 h 09 min
